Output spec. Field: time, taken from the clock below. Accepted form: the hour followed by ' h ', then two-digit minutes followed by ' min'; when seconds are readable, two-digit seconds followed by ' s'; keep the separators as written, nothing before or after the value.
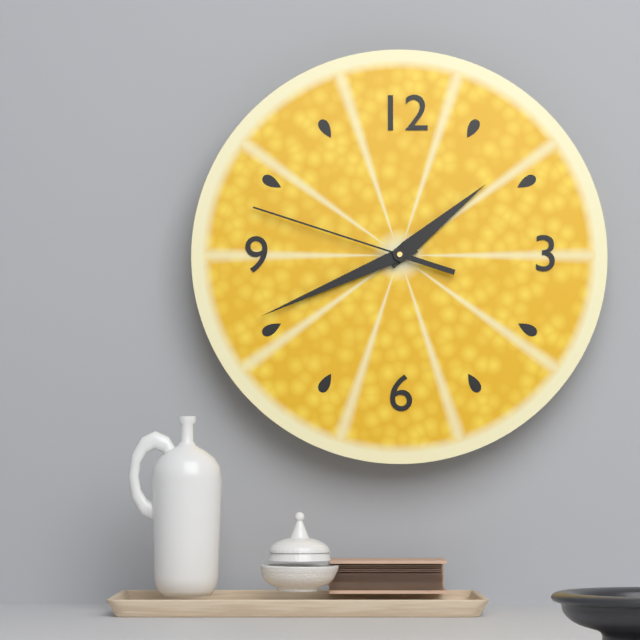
1 h 41 min 48 s
